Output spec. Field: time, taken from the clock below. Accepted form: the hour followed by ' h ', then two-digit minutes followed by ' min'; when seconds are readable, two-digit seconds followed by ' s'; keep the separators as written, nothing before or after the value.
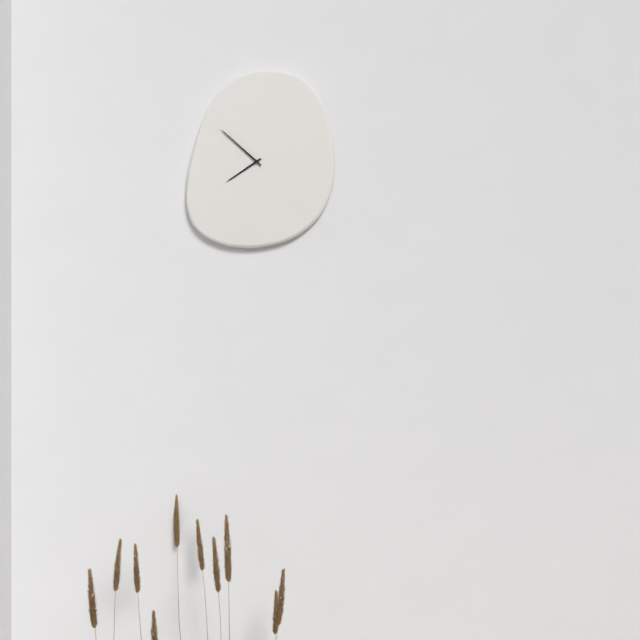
7 h 52 min
